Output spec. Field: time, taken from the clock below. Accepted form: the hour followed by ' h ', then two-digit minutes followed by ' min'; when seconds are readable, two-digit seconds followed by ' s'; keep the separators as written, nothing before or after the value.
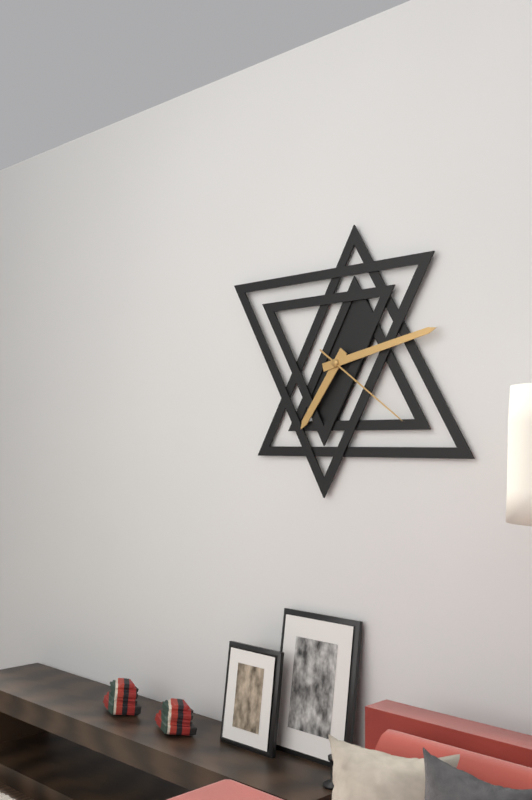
7 h 13 min 21 s
